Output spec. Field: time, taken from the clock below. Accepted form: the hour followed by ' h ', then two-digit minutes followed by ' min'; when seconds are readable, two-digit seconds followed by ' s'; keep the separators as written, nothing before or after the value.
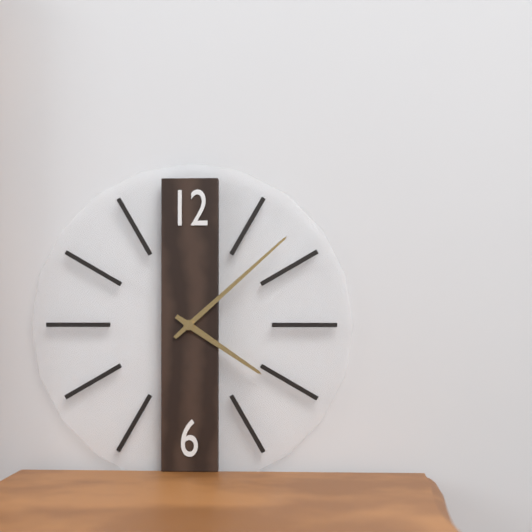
4 h 08 min
